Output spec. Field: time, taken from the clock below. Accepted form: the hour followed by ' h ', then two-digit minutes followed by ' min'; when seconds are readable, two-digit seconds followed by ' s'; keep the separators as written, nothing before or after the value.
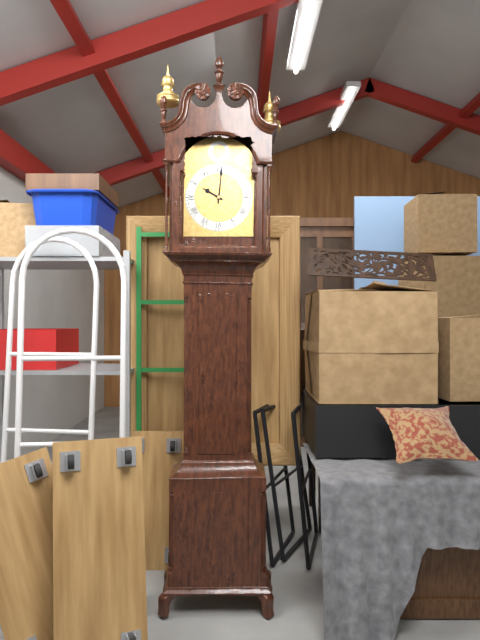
10 h 01 min
